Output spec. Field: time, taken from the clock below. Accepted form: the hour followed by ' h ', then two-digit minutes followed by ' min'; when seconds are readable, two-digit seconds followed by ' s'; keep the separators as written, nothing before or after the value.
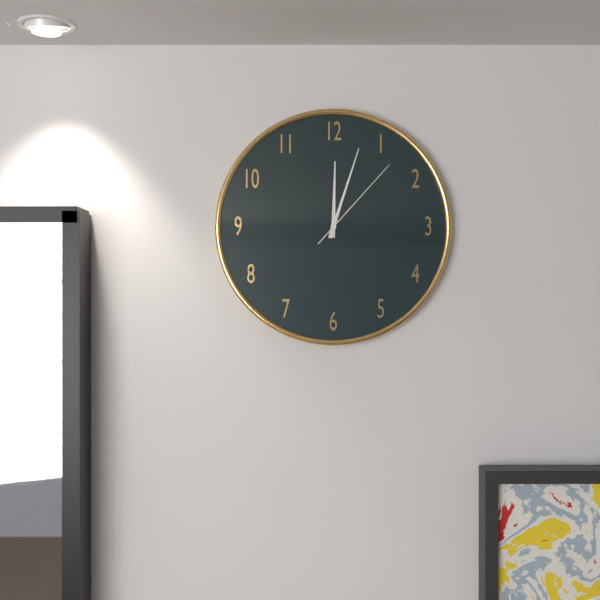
12 h 03 min 07 s
